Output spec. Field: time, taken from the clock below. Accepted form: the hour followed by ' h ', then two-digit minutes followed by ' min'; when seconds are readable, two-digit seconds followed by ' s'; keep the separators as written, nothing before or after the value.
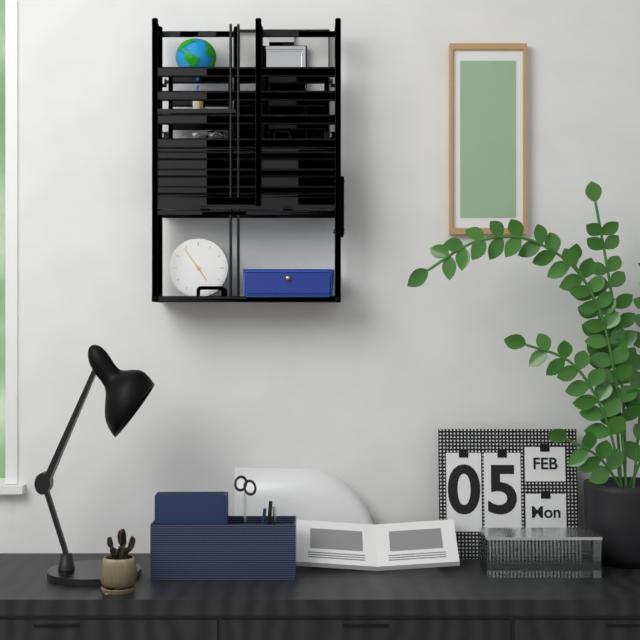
4 h 54 min
